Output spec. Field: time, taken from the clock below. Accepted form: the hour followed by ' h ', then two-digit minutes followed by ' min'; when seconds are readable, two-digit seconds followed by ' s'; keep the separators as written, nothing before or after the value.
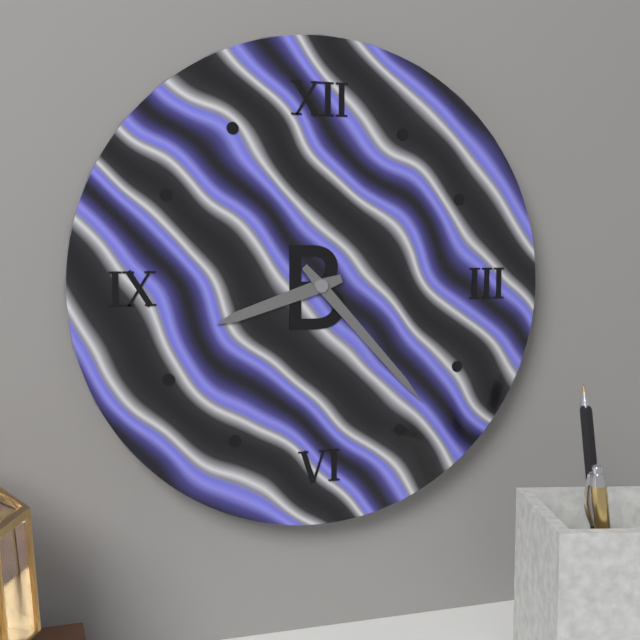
8 h 23 min
